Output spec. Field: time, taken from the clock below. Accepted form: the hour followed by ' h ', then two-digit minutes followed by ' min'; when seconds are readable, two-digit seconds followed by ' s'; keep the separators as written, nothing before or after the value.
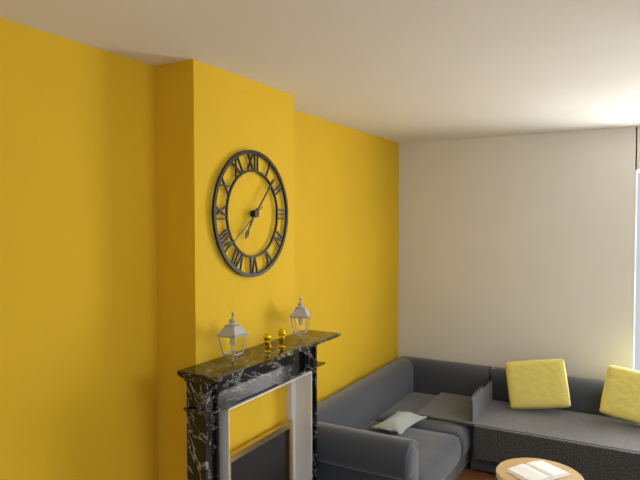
7 h 07 min 39 s
